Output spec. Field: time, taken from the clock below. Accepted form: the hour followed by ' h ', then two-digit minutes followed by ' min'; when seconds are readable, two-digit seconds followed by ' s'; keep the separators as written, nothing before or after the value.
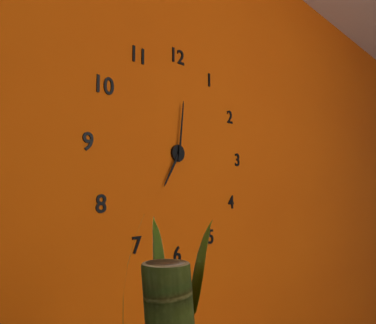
7 h 01 min
